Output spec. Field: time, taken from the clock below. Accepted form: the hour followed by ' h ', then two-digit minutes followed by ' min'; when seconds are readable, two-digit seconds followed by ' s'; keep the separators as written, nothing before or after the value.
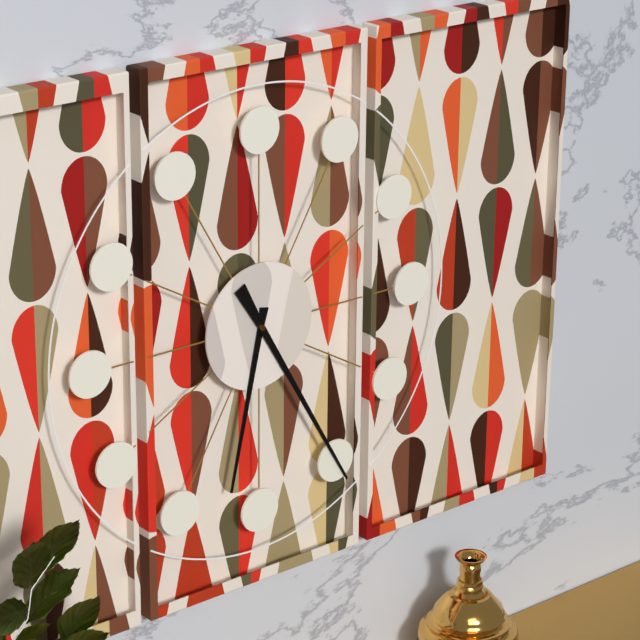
6 h 25 min
